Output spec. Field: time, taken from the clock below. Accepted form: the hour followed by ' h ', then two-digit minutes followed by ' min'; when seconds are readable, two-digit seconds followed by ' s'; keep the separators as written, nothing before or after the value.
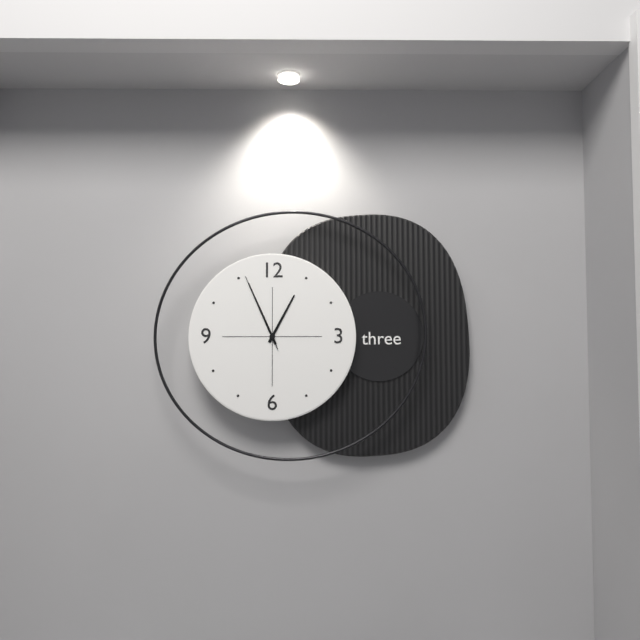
12 h 56 min 56 s
